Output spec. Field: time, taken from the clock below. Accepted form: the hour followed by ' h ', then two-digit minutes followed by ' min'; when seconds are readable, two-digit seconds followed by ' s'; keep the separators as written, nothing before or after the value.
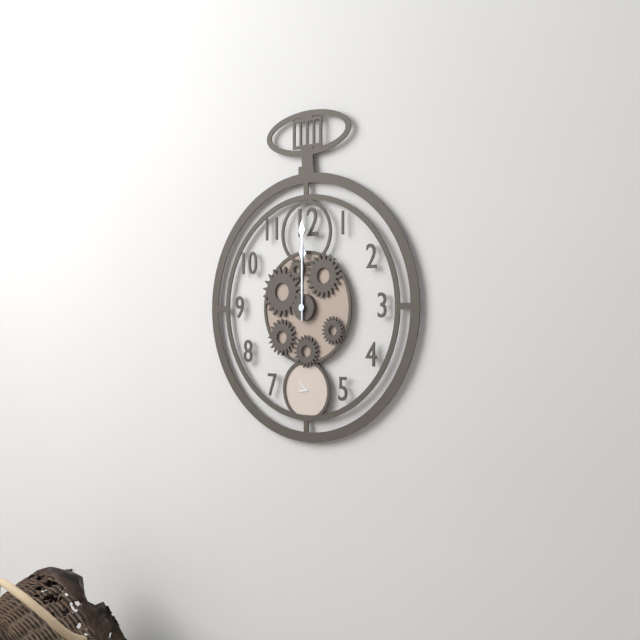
12 h 00 min
